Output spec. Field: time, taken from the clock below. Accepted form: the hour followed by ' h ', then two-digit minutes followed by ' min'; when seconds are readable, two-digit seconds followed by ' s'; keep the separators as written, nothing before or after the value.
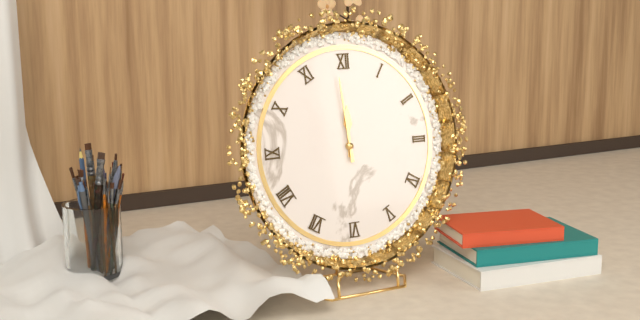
11 h 59 min
